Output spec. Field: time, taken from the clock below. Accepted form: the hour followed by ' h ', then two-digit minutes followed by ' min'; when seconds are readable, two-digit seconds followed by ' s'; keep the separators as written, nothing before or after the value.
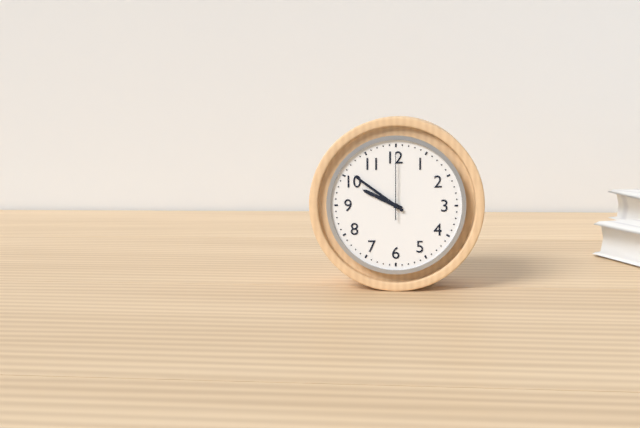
9 h 51 min 00 s
